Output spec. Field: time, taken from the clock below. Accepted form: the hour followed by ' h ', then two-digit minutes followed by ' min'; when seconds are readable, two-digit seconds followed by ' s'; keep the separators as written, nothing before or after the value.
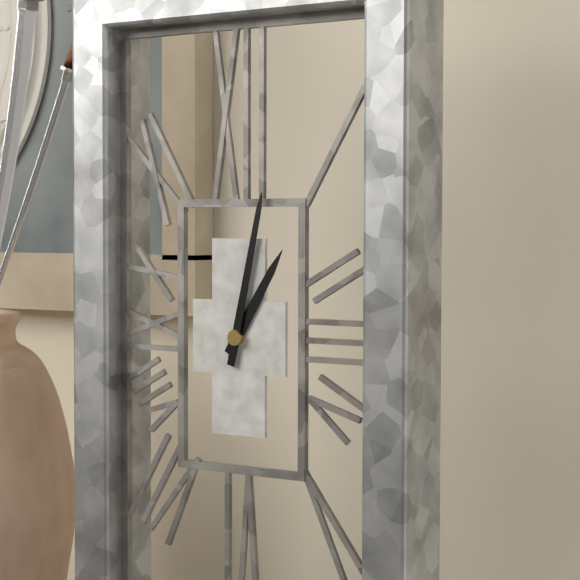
1 h 02 min
